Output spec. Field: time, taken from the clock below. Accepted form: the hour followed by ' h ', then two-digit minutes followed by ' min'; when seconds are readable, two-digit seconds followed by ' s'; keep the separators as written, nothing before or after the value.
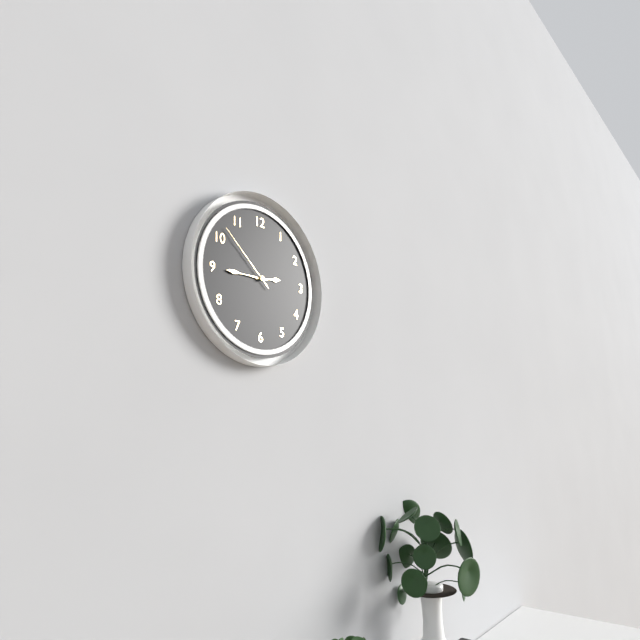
2 h 45 min 52 s
